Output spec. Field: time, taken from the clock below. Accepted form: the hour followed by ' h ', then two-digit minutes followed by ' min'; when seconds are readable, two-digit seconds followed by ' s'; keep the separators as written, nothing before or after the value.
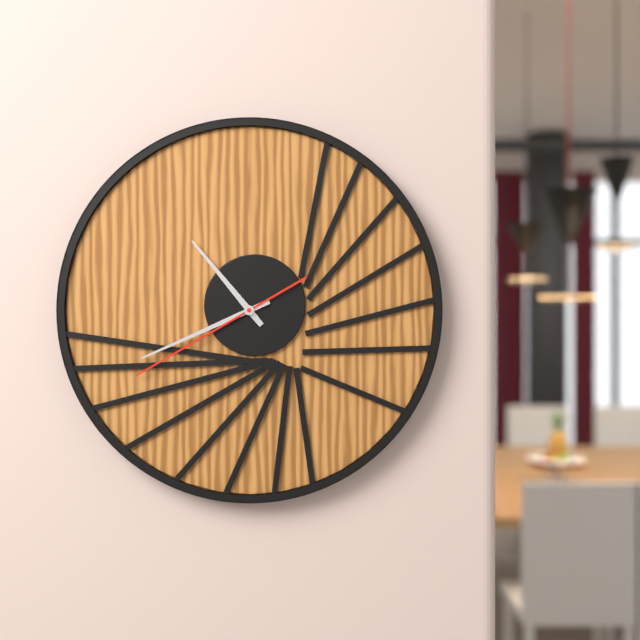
10 h 41 min 40 s
